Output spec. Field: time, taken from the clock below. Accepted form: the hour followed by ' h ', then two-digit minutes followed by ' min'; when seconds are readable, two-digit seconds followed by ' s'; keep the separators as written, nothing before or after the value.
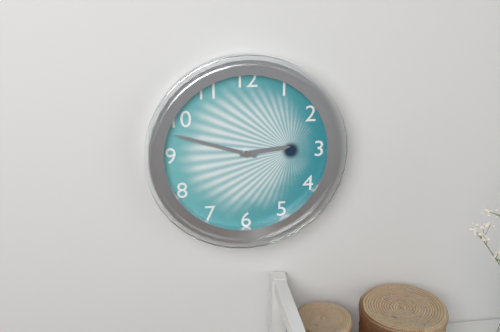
2 h 48 min
